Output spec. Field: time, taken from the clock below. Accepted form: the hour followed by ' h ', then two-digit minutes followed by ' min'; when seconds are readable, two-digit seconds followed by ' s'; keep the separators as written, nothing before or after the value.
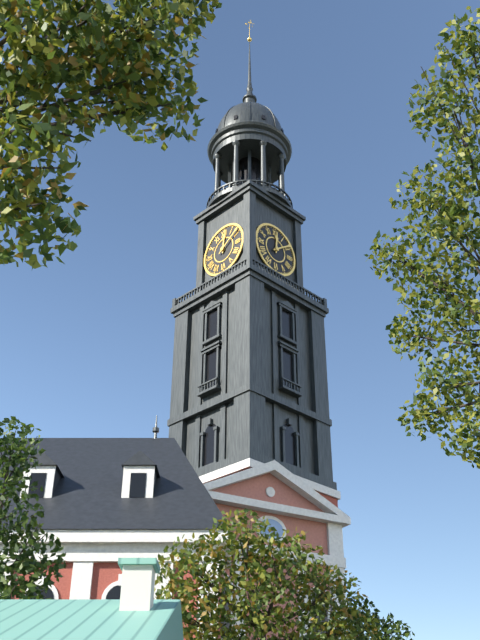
12 h 09 min
